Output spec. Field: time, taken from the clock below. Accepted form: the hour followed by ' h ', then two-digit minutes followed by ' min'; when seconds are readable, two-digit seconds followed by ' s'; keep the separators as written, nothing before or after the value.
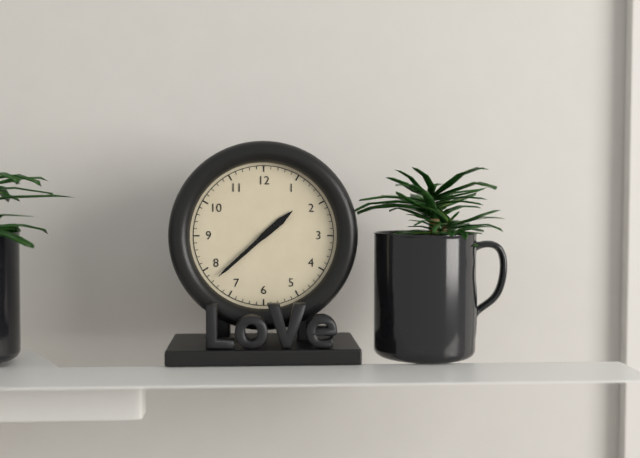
1 h 38 min
